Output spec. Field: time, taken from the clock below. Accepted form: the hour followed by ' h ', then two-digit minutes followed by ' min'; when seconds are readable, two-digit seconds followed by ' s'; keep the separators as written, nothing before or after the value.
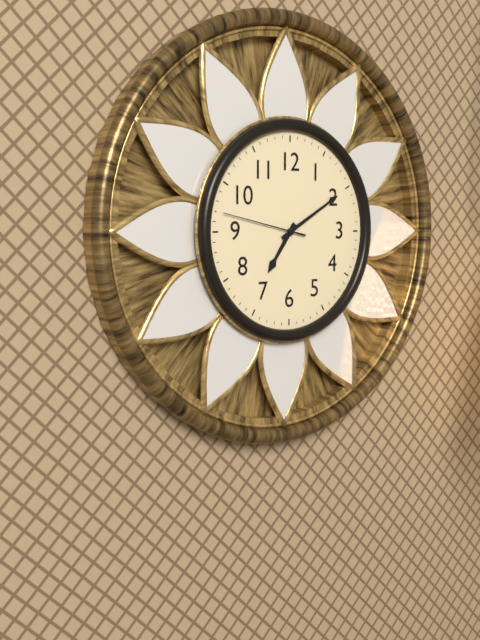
7 h 10 min 47 s
